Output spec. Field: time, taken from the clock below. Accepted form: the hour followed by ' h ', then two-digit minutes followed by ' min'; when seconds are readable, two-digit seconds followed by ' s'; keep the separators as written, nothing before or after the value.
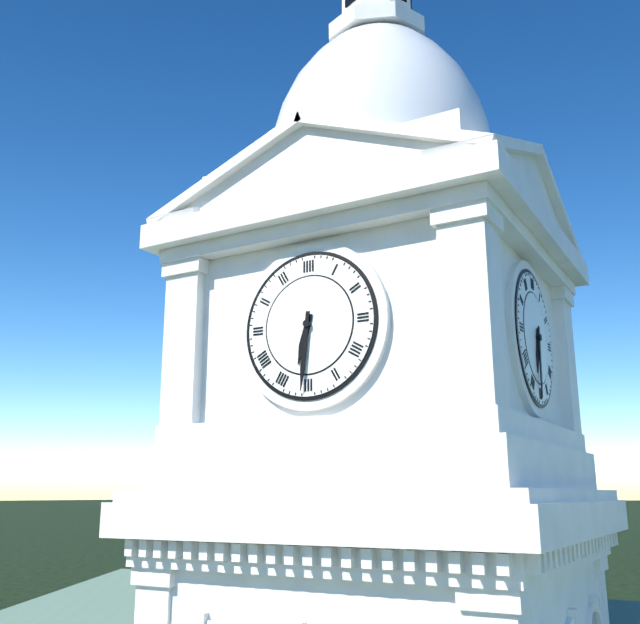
6 h 31 min
